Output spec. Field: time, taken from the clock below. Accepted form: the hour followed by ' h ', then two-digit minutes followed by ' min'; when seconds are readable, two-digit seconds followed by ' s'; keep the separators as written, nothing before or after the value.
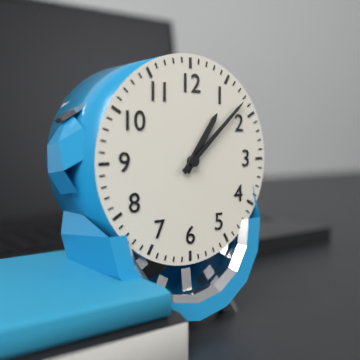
1 h 08 min
